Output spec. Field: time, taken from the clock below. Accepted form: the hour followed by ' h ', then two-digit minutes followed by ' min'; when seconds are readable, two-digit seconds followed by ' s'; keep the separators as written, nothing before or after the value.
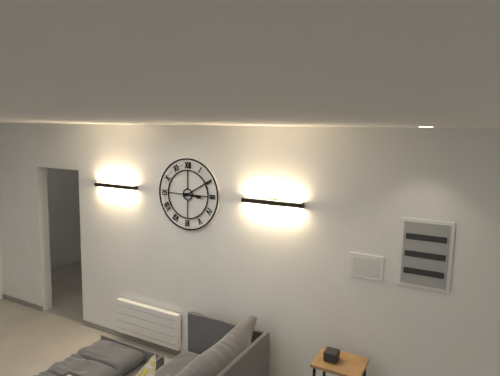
3 h 10 min
